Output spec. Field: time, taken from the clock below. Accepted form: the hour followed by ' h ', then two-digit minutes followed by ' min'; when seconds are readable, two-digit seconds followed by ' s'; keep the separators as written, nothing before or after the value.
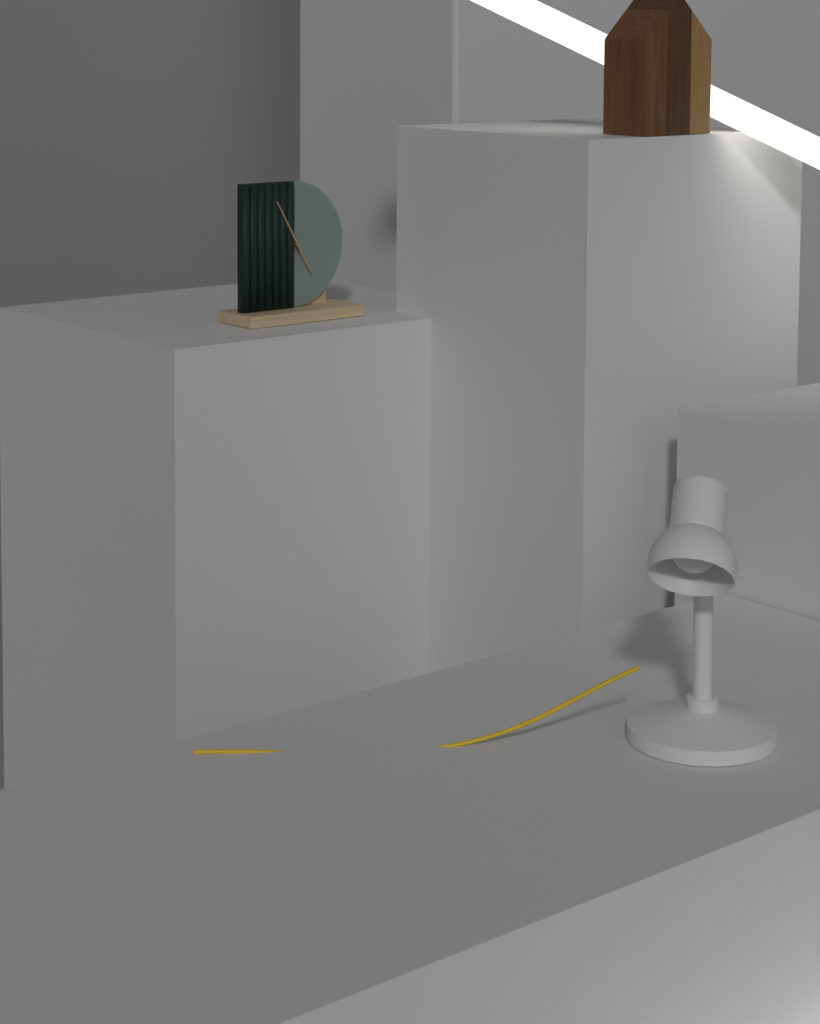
4 h 55 min
